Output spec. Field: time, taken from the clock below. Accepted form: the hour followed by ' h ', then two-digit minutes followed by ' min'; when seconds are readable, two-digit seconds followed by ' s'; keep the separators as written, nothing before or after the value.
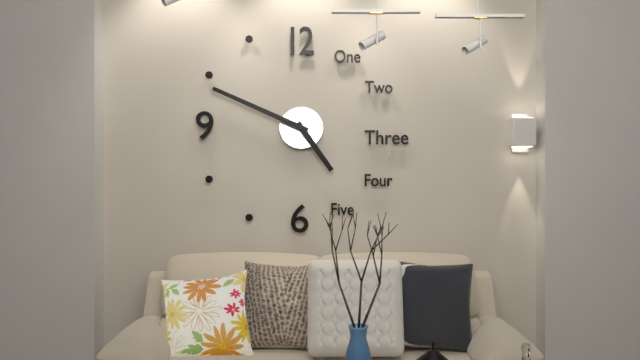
4 h 49 min
